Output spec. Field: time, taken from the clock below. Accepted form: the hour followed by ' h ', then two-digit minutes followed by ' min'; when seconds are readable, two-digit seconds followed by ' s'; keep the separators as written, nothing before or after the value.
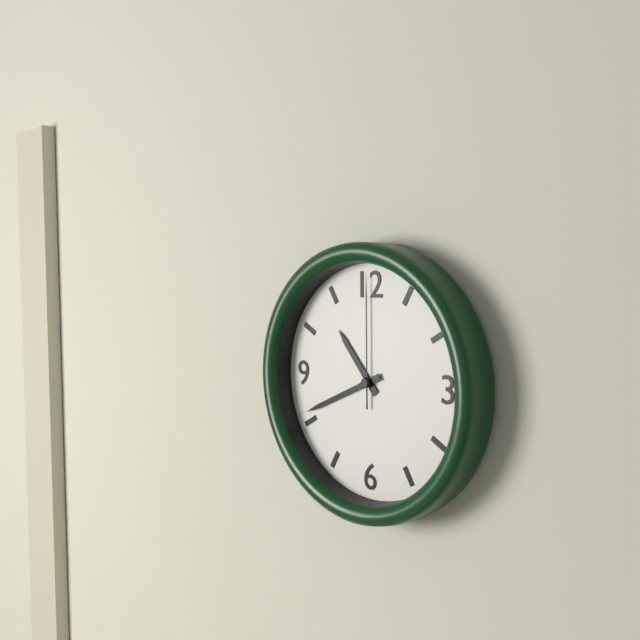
10 h 41 min 00 s
